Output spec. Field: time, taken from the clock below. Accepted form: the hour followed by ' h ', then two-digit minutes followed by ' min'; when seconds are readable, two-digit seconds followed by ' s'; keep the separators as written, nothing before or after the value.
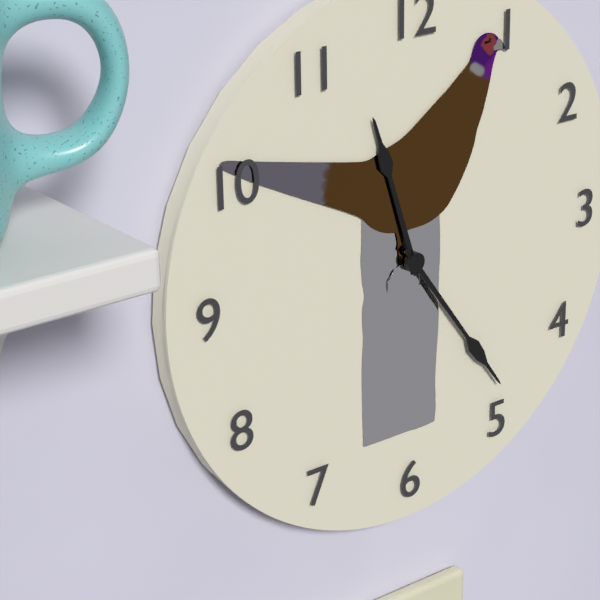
11 h 24 min
